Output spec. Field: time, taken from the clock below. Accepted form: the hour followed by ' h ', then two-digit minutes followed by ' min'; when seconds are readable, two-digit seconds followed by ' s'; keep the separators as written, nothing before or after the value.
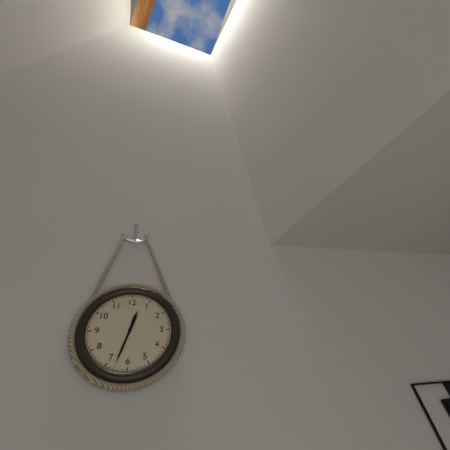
12 h 33 min
